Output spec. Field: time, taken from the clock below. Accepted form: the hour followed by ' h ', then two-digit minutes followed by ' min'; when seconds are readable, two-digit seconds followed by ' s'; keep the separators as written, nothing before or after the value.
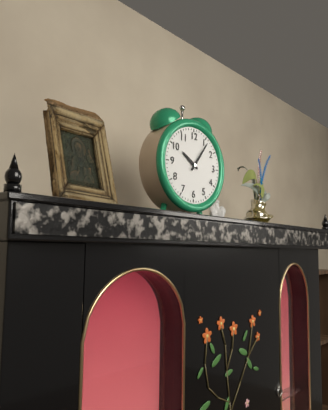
10 h 06 min
